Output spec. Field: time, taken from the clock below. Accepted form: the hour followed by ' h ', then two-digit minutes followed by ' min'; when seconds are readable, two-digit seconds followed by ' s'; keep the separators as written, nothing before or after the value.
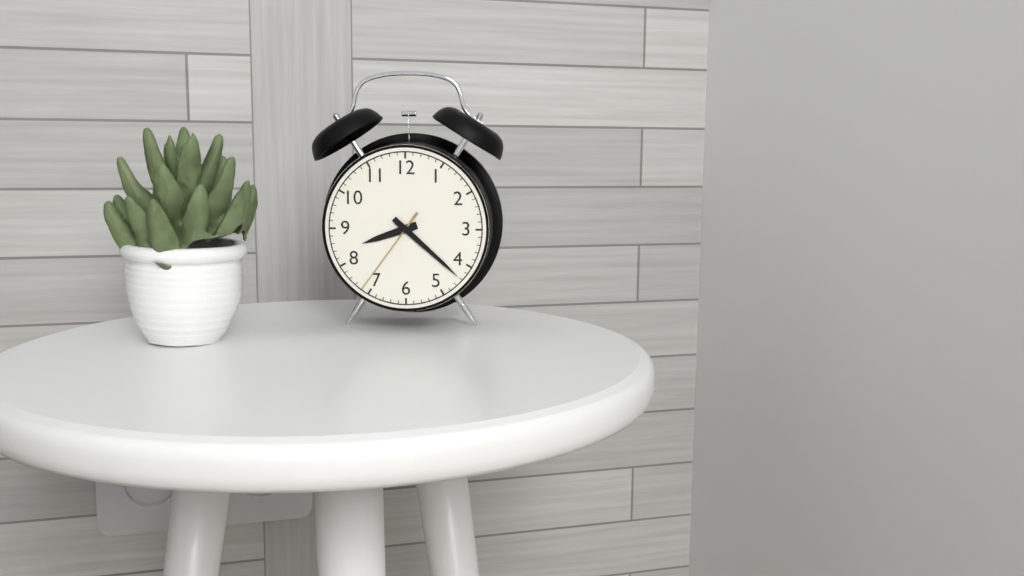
8 h 22 min 36 s
